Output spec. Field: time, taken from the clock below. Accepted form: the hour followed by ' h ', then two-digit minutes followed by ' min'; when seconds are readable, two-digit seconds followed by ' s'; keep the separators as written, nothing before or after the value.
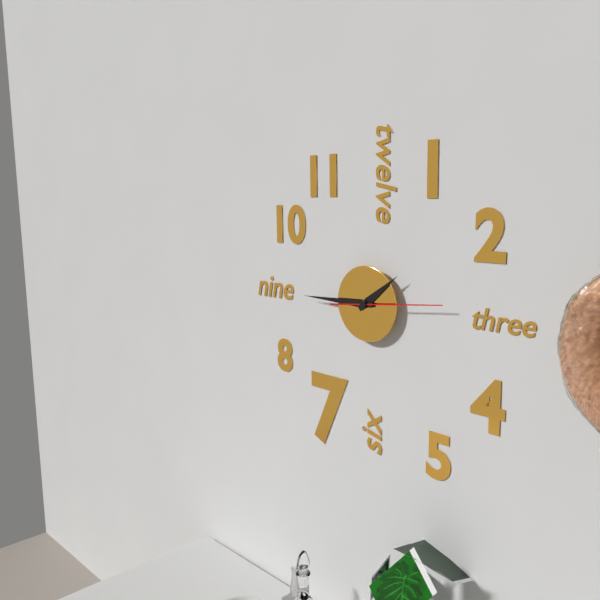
1 h 45 min 14 s
